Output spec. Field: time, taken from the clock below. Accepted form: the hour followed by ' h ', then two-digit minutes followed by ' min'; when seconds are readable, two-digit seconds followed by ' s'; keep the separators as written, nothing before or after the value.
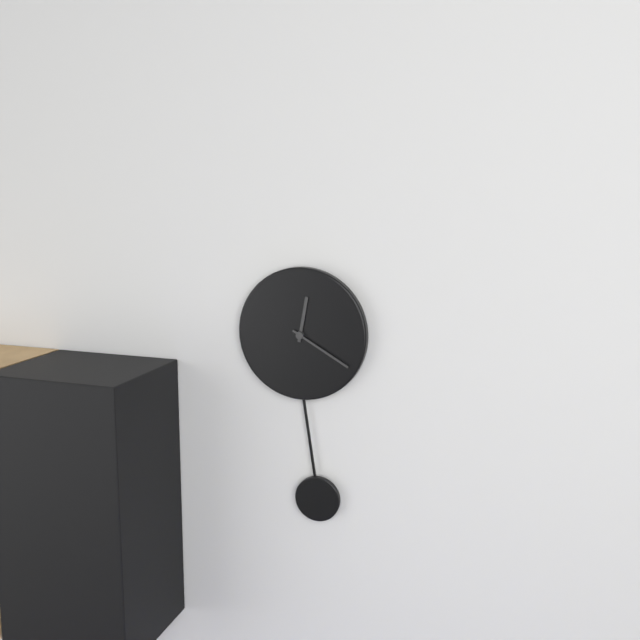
12 h 20 min
